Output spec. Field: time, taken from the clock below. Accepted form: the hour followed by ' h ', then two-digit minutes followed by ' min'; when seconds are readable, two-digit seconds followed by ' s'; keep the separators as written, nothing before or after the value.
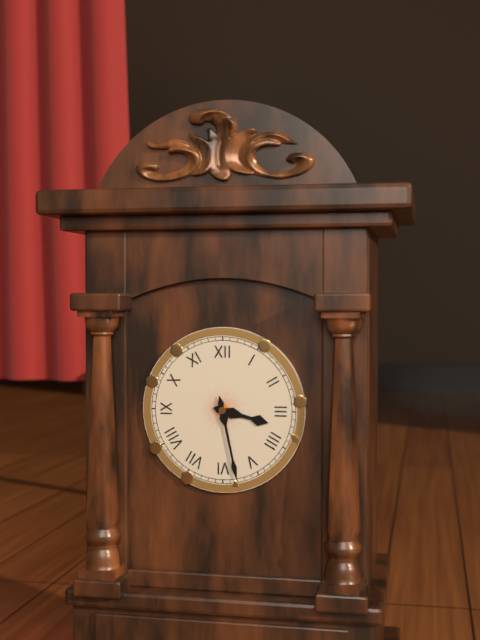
3 h 28 min
